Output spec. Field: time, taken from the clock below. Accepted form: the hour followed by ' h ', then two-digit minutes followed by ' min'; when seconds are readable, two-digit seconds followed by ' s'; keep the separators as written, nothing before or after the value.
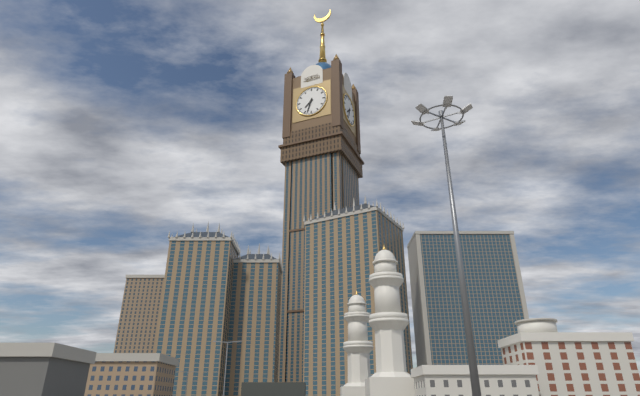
7 h 33 min
